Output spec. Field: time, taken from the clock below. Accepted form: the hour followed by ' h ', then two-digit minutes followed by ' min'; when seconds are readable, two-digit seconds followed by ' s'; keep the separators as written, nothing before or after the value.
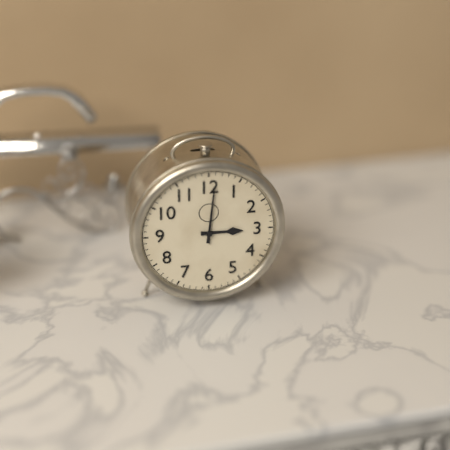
3 h 01 min
